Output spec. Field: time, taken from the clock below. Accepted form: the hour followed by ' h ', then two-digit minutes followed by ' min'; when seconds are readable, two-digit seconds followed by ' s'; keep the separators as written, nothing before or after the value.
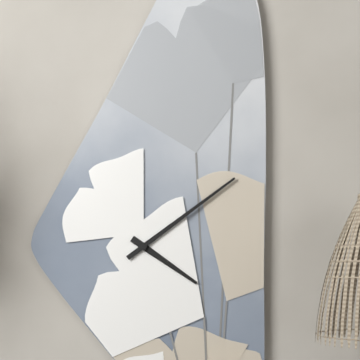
4 h 09 min
